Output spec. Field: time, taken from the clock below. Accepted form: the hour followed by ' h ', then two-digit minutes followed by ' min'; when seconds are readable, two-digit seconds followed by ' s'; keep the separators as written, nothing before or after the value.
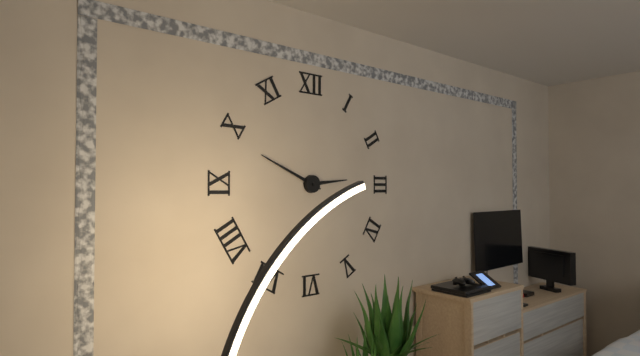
2 h 49 min
